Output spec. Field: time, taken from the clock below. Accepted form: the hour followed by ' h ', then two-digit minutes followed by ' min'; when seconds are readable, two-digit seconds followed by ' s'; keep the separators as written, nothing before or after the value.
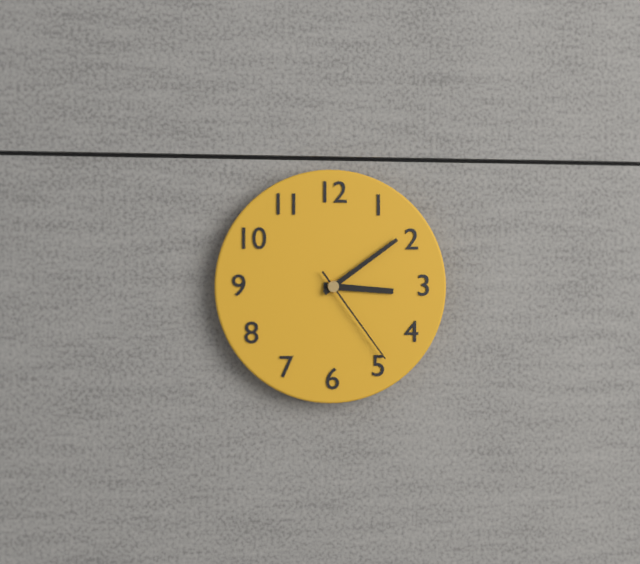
3 h 09 min 24 s
